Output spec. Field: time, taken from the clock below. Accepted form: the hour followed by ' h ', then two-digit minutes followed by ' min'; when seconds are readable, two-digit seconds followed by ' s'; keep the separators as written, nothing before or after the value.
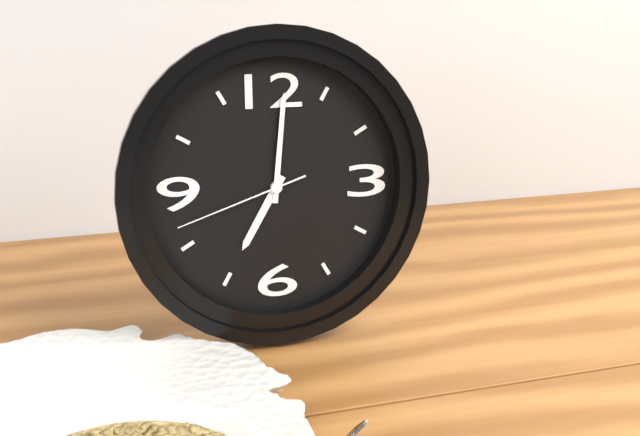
7 h 01 min 42 s
